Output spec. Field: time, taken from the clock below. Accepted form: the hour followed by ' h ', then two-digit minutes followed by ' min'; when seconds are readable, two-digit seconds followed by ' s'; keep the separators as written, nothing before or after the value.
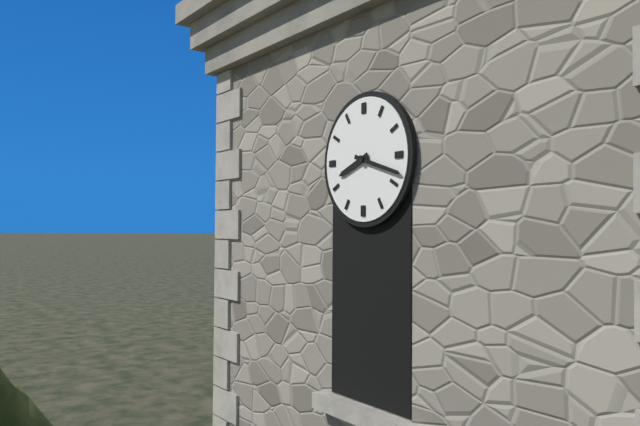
8 h 18 min
